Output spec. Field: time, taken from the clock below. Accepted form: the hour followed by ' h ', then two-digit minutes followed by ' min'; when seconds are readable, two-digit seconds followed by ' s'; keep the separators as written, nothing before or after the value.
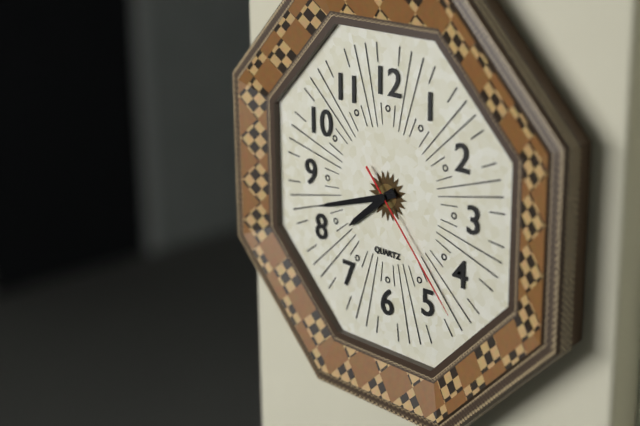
7 h 42 min 23 s
